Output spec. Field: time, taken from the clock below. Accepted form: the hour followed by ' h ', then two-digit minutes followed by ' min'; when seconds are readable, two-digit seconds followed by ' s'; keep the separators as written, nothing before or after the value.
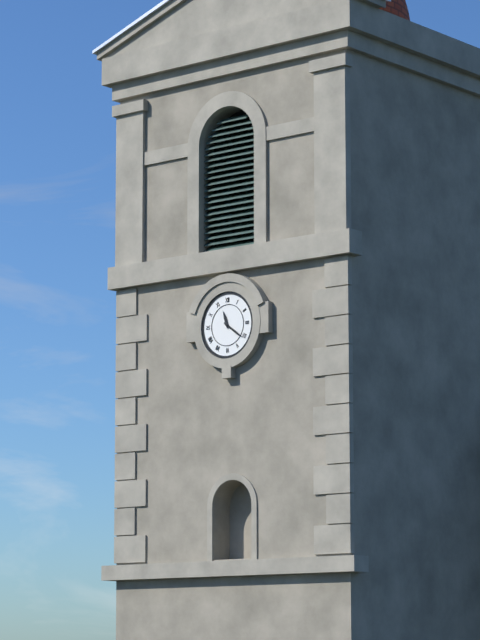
11 h 21 min
